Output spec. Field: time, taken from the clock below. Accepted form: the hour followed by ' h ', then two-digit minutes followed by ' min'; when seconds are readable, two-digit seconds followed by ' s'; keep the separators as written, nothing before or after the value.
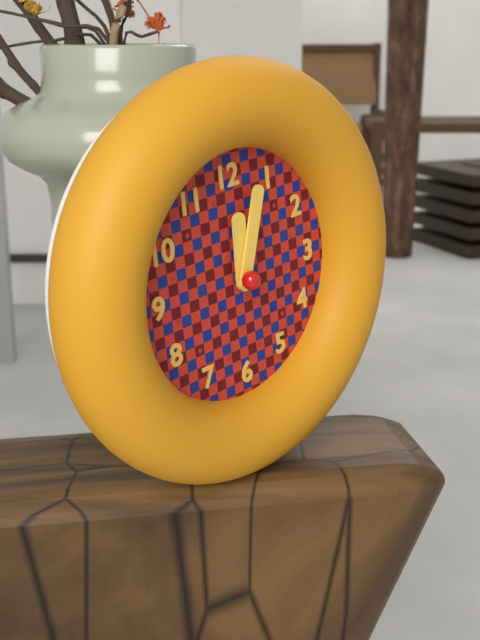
12 h 03 min
